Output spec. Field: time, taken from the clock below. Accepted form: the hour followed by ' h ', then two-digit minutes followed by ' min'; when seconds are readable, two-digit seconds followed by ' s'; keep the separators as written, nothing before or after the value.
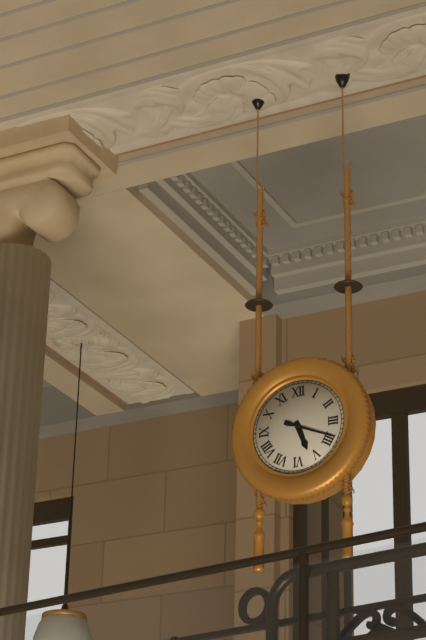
5 h 19 min
